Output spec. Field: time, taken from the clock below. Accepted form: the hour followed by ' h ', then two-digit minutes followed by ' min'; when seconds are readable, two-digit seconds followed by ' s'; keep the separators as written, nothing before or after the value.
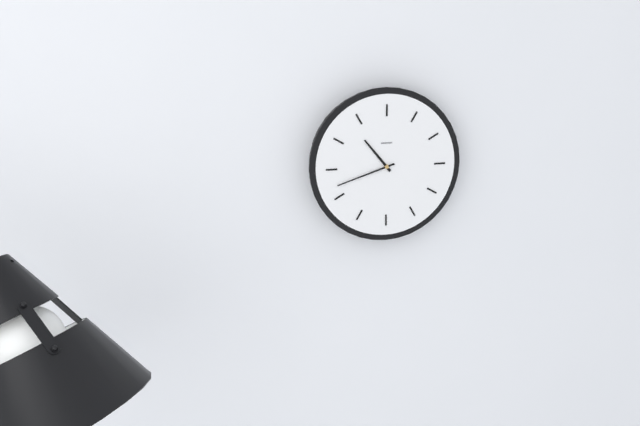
10 h 42 min
